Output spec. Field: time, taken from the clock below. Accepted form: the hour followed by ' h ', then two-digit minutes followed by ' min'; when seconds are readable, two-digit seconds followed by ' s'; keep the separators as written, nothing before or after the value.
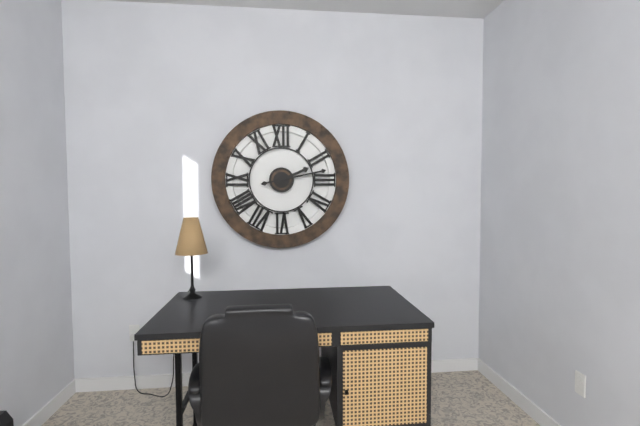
2 h 13 min
